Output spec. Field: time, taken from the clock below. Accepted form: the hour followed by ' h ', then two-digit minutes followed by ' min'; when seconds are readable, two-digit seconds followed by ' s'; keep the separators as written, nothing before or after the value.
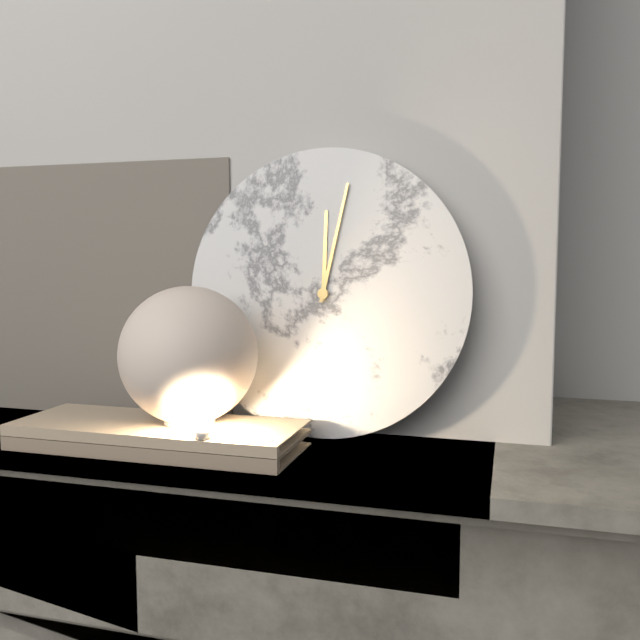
12 h 02 min
